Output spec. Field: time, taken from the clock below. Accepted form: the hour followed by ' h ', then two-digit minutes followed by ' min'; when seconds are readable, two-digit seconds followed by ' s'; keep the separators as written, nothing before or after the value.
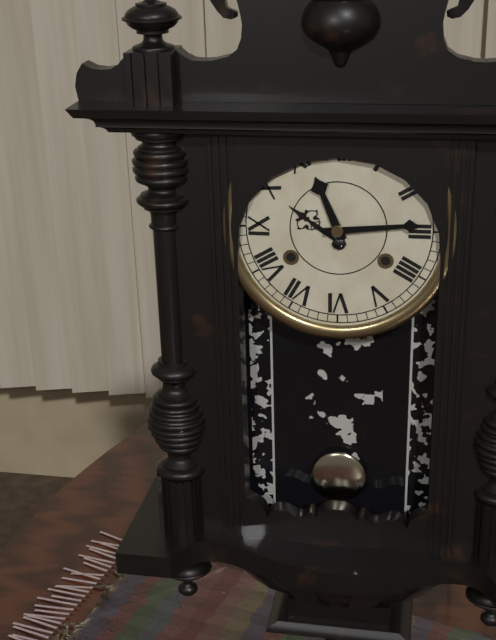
11 h 14 min
